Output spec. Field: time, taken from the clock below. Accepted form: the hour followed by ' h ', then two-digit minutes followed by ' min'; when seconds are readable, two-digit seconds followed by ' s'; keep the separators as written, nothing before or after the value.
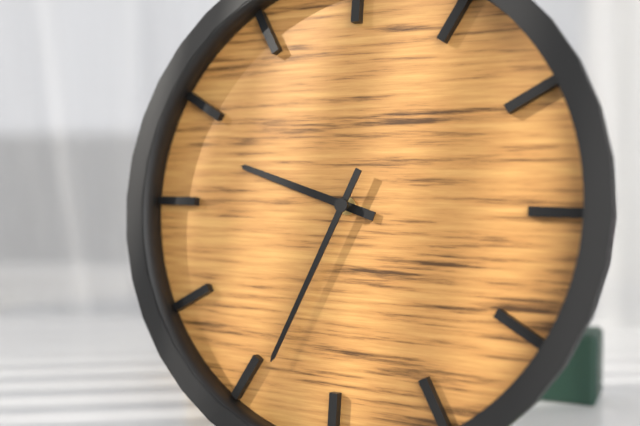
9 h 34 min
